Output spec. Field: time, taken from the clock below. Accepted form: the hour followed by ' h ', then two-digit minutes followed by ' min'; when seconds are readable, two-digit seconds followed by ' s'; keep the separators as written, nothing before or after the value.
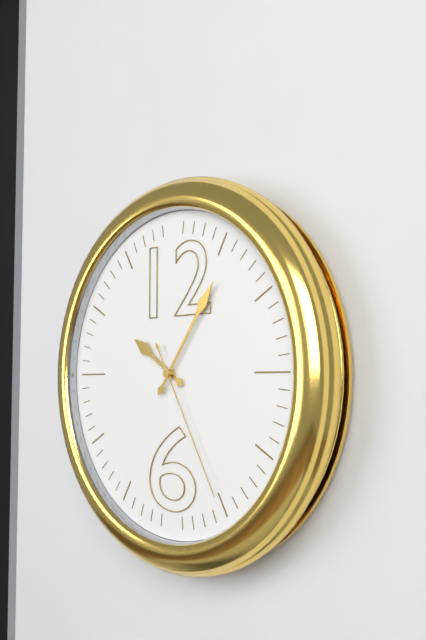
10 h 06 min 25 s
